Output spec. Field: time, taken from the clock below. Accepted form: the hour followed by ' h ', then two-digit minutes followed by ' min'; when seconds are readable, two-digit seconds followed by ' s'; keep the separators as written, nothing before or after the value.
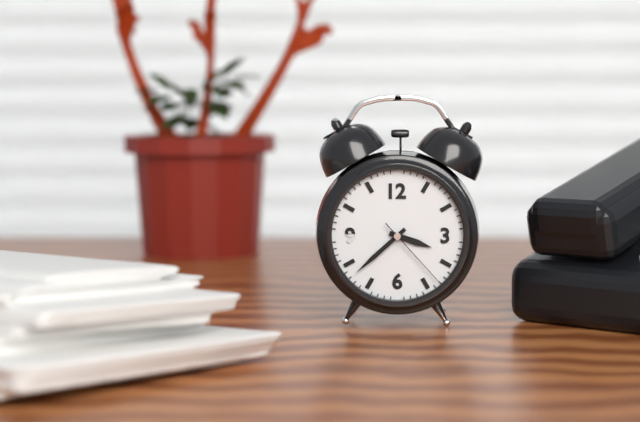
3 h 38 min 23 s
